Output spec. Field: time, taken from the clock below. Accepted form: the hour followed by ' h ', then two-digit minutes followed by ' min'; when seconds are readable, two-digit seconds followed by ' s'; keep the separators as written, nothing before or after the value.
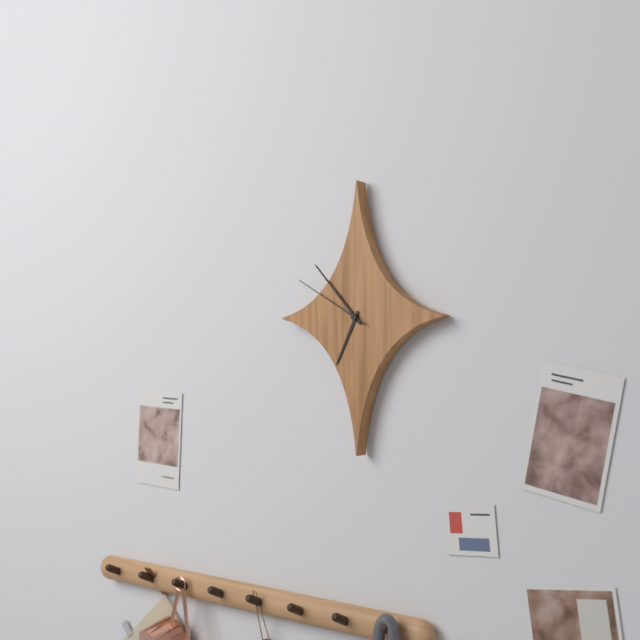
6 h 53 min 50 s
